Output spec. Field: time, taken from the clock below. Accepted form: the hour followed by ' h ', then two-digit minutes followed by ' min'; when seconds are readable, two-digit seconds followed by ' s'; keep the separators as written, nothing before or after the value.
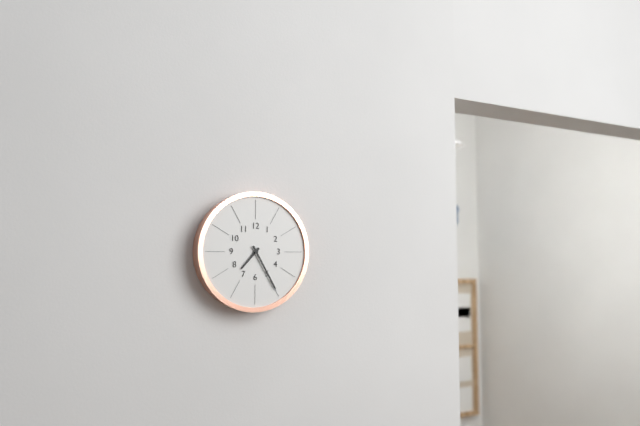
7 h 25 min
